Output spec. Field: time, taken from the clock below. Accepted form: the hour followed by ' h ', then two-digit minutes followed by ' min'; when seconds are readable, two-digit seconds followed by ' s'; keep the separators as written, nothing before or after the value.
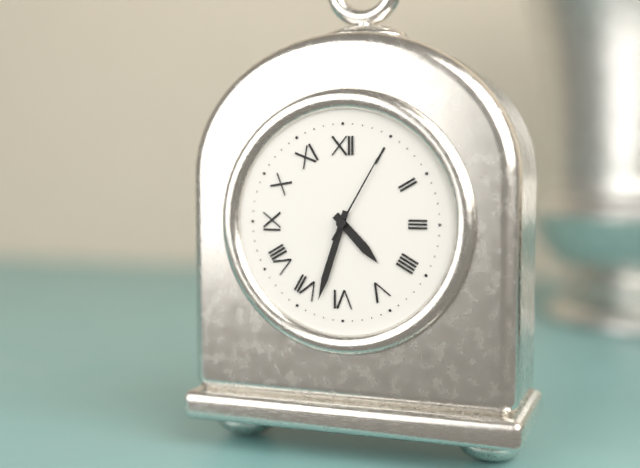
4 h 33 min 05 s
